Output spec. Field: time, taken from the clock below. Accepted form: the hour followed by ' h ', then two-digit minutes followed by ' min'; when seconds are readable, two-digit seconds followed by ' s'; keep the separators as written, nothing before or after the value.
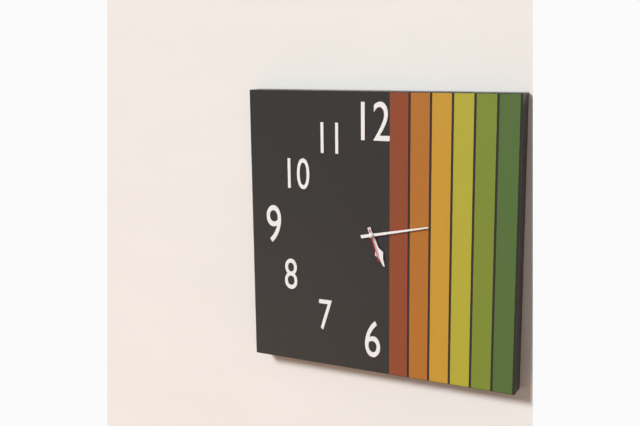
5 h 13 min
